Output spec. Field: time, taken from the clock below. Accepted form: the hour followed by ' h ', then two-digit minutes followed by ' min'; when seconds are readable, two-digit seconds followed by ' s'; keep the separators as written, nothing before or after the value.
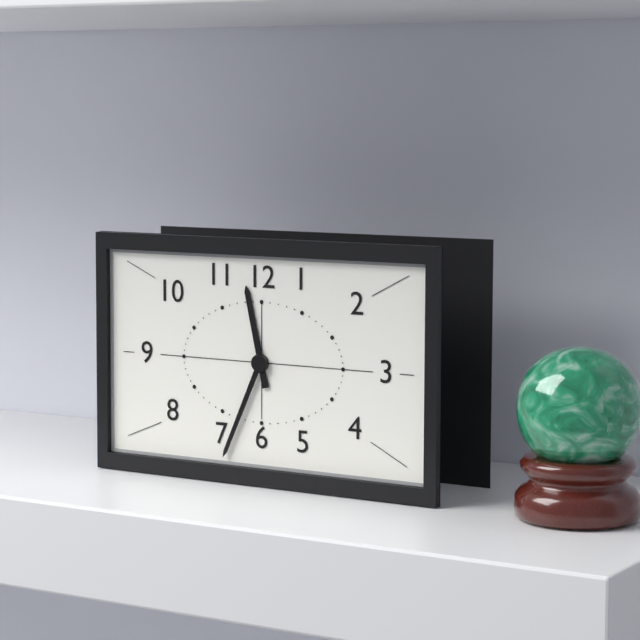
11 h 34 min
